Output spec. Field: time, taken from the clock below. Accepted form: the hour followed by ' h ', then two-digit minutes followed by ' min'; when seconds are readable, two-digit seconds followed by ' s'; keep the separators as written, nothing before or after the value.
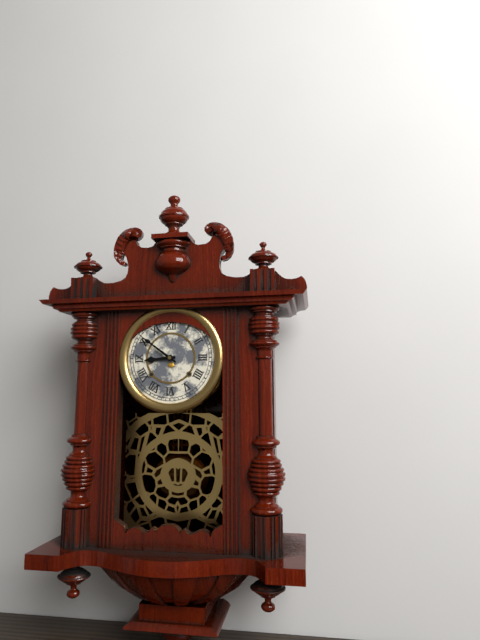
8 h 51 min
